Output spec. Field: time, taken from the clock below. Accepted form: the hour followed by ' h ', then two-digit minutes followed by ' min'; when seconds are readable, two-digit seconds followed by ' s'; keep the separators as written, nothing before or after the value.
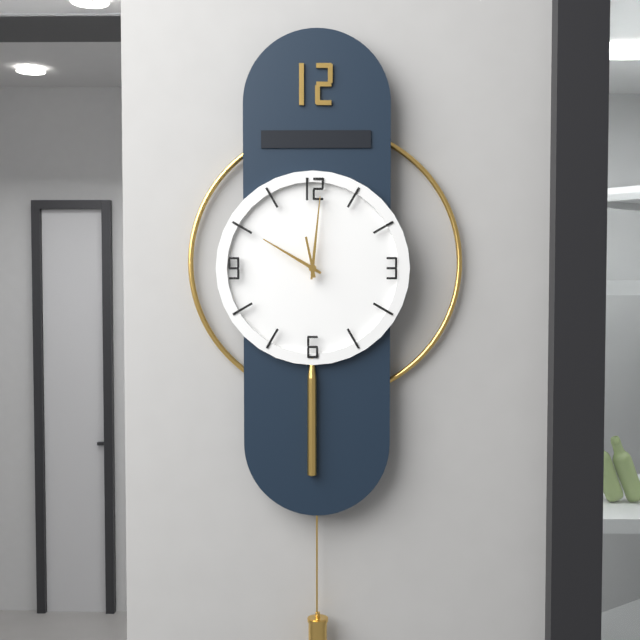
10 h 01 min
